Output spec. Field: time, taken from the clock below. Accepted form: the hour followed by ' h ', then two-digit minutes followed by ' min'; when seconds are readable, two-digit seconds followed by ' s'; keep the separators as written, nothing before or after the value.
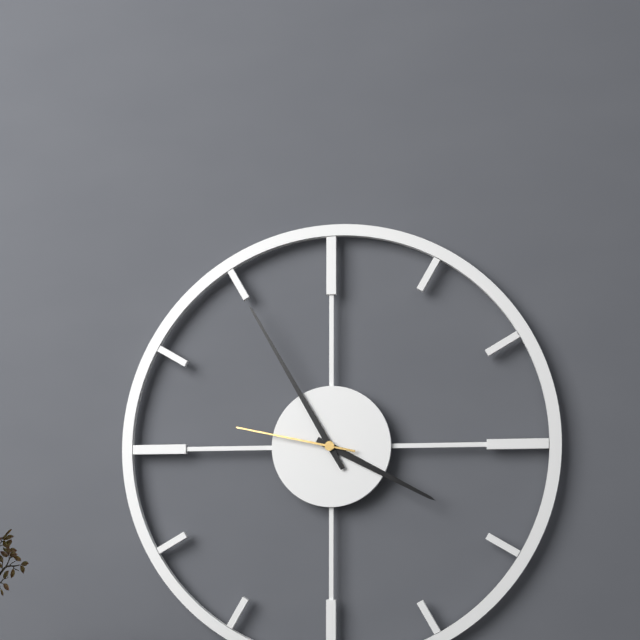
3 h 55 min 47 s
